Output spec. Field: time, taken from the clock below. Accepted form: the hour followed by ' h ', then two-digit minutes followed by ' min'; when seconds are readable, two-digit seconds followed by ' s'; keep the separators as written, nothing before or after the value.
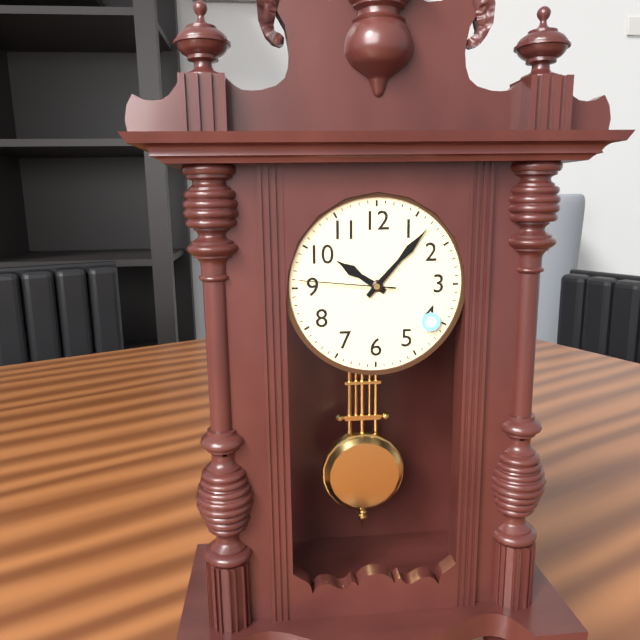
10 h 07 min 46 s
